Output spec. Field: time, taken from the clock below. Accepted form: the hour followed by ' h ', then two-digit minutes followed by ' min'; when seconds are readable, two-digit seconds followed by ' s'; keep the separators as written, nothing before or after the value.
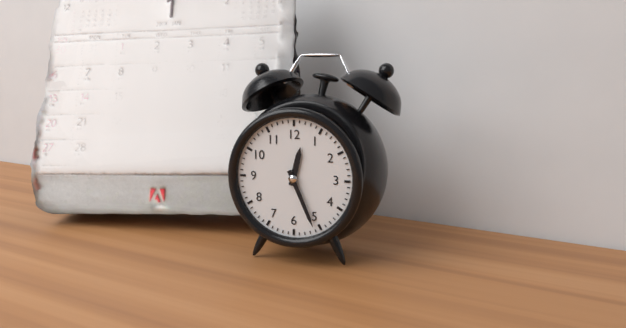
12 h 26 min
